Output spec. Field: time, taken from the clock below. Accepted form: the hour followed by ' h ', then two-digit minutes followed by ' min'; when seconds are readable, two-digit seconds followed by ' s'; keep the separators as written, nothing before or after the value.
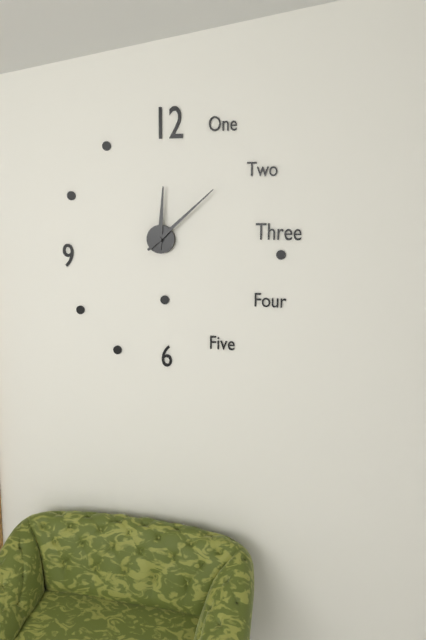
12 h 08 min
